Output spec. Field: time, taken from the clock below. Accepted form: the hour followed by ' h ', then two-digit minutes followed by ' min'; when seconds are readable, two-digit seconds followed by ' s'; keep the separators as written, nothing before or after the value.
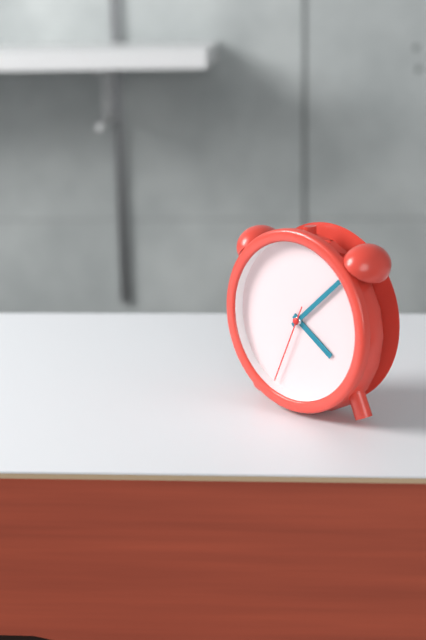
4 h 08 min 34 s
